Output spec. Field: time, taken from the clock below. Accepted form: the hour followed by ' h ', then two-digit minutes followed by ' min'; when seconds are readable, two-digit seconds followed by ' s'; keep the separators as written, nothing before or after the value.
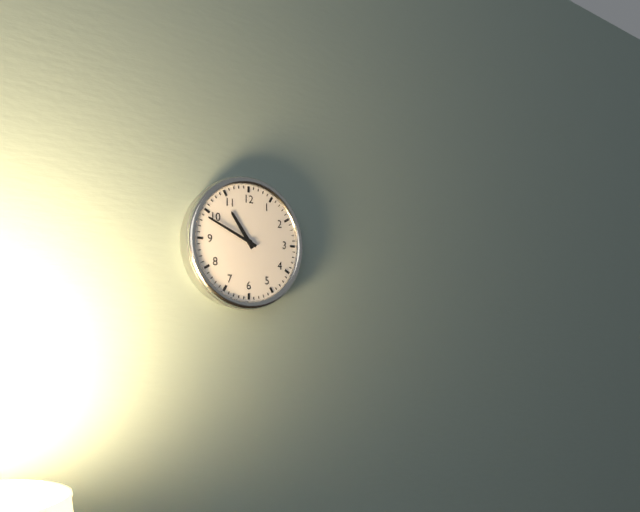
10 h 49 min
